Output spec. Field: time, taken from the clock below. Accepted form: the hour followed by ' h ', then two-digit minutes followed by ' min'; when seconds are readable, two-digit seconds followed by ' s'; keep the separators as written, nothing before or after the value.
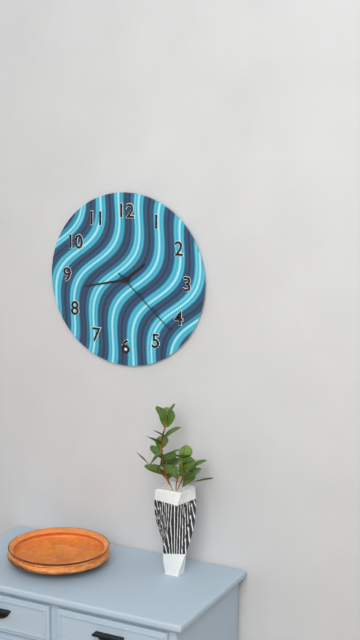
1 h 43 min 22 s
